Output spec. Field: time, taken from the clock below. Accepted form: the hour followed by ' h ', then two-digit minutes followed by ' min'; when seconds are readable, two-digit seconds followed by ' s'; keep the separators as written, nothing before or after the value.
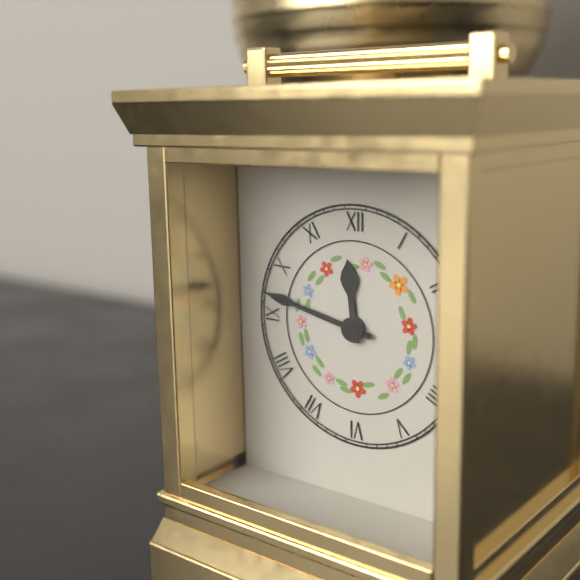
11 h 47 min
